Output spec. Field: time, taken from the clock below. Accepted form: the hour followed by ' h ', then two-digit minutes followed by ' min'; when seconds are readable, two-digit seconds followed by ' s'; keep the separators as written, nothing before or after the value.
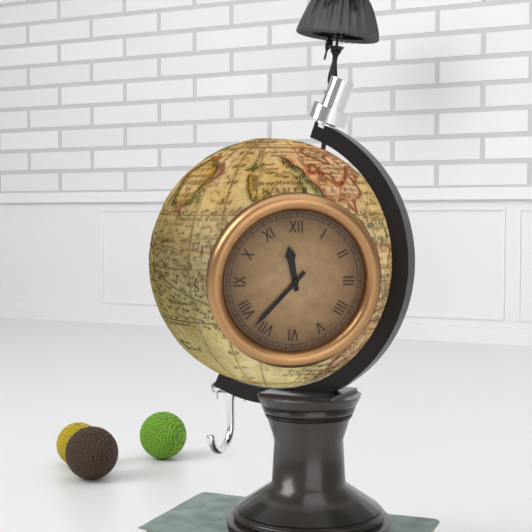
11 h 37 min
